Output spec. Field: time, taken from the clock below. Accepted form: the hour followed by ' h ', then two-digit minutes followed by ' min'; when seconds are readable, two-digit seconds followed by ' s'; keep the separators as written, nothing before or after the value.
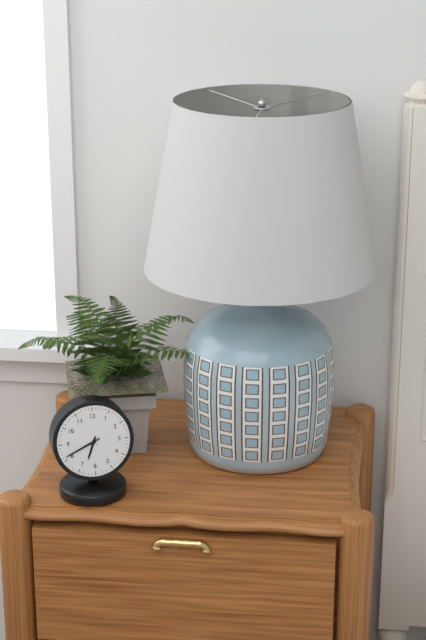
6 h 41 min
